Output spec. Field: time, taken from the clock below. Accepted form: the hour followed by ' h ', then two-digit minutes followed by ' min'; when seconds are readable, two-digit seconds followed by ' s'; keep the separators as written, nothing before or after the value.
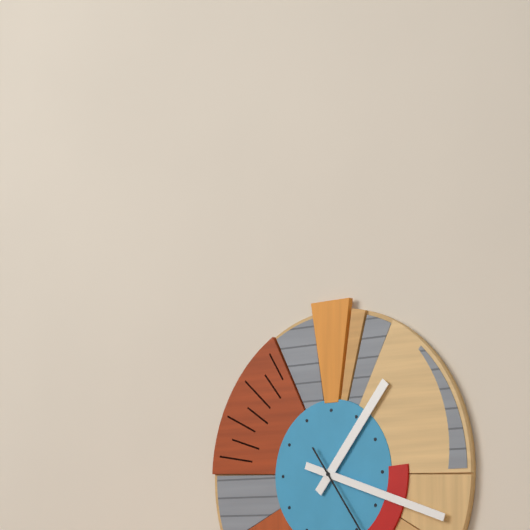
1 h 18 min
